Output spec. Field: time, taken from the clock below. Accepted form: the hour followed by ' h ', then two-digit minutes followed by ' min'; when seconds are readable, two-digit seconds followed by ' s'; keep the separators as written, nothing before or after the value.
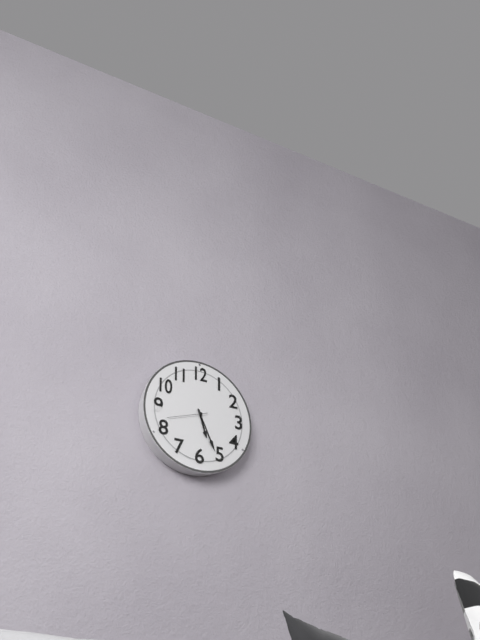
5 h 26 min
